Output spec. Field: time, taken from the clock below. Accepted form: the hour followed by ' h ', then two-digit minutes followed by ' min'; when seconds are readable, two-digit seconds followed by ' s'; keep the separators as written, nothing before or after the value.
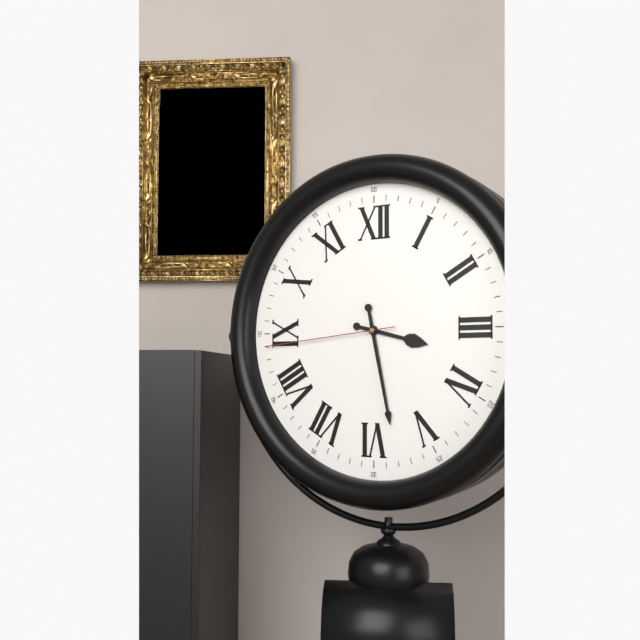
3 h 28 min 44 s
